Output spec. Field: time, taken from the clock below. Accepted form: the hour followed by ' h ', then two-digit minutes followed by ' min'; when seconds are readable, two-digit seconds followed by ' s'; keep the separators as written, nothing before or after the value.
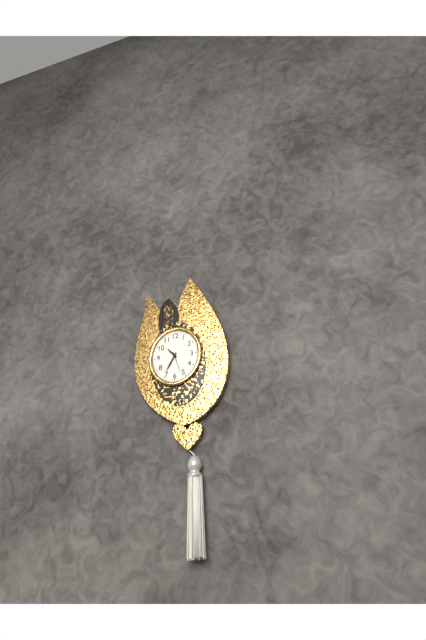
10 h 35 min
